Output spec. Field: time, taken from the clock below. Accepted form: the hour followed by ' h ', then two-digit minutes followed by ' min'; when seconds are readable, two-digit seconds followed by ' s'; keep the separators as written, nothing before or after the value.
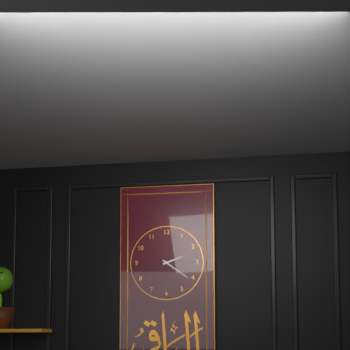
2 h 21 min
